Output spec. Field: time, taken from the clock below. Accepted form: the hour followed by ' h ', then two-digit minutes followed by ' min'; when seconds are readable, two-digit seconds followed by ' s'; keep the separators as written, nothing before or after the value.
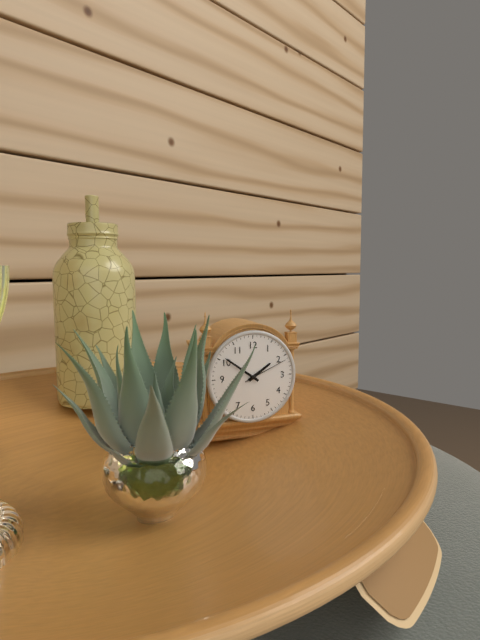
1 h 51 min
